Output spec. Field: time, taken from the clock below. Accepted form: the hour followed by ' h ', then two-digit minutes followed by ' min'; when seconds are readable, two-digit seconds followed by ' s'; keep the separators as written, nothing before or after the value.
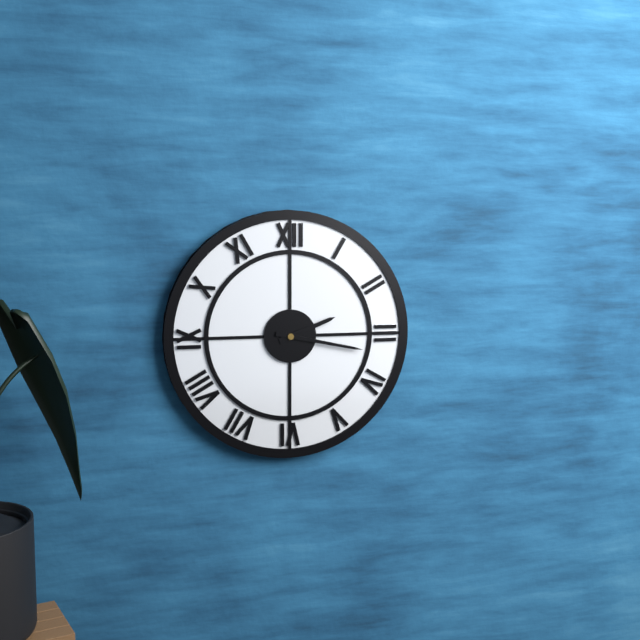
2 h 17 min
